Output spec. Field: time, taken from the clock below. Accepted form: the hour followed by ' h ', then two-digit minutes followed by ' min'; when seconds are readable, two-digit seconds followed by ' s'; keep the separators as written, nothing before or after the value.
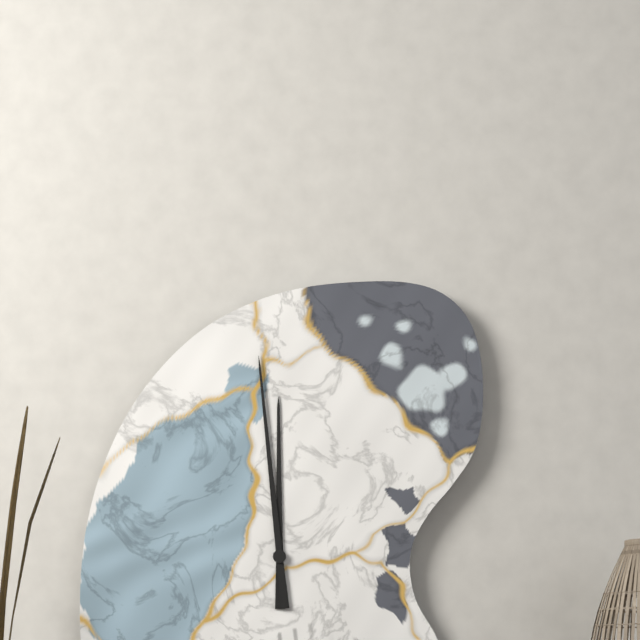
11 h 59 min
